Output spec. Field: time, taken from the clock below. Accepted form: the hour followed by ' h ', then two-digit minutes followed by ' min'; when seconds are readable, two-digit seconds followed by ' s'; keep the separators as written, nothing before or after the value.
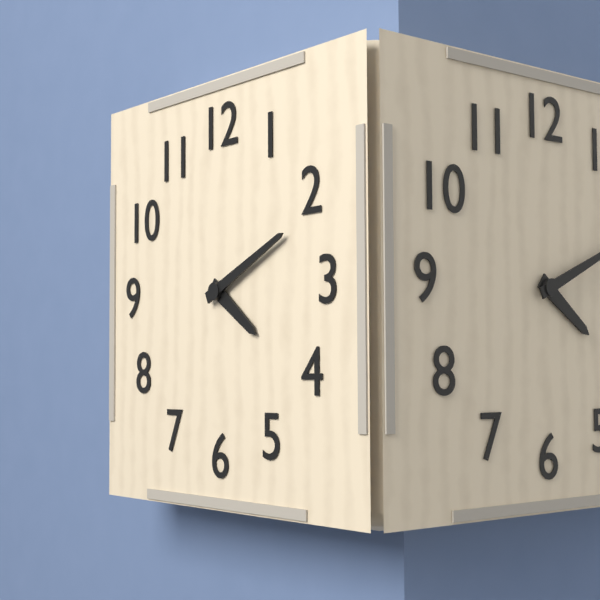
4 h 11 min
